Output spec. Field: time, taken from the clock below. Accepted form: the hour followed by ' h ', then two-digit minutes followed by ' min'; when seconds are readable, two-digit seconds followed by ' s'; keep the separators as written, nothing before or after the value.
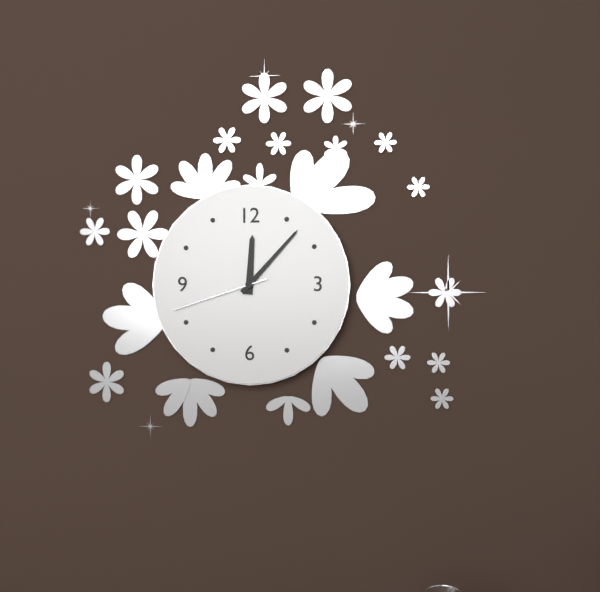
12 h 07 min 42 s
